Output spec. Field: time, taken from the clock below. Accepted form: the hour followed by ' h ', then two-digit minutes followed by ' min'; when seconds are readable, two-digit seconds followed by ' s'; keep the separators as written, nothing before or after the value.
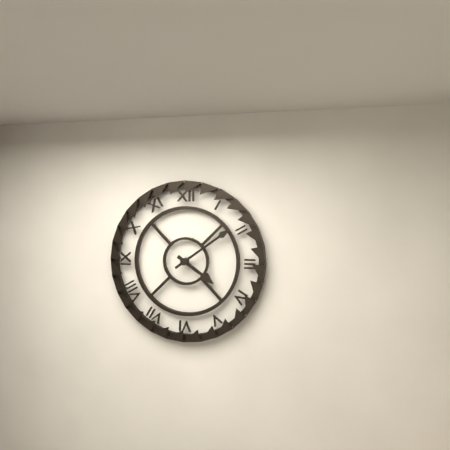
4 h 09 min
